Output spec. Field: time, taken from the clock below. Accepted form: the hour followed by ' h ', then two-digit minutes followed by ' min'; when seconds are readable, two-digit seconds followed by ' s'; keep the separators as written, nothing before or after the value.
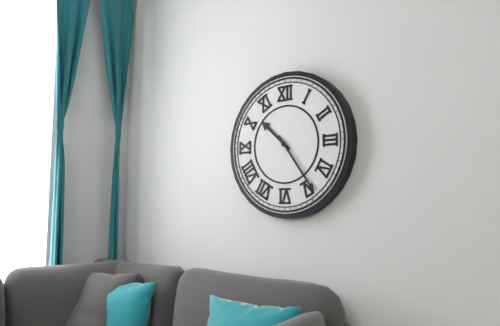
10 h 24 min
